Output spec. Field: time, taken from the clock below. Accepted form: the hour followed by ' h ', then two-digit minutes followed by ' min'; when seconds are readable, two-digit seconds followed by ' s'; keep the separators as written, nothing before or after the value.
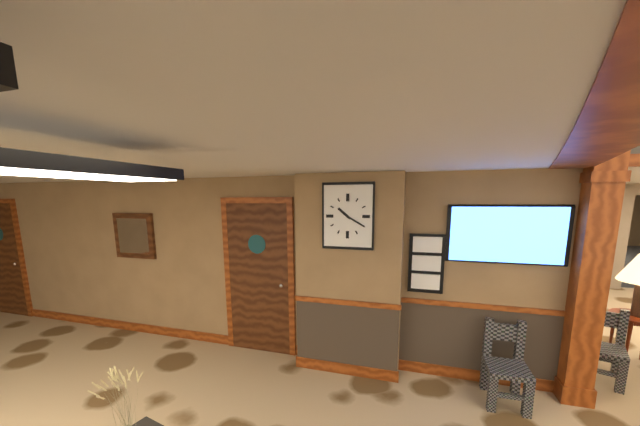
10 h 20 min
